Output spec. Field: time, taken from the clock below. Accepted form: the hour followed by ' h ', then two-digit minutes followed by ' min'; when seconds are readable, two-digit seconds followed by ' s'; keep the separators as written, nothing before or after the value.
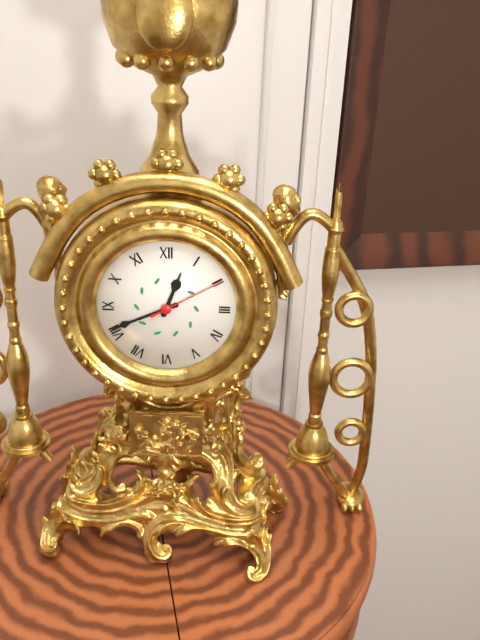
12 h 41 min 10 s
